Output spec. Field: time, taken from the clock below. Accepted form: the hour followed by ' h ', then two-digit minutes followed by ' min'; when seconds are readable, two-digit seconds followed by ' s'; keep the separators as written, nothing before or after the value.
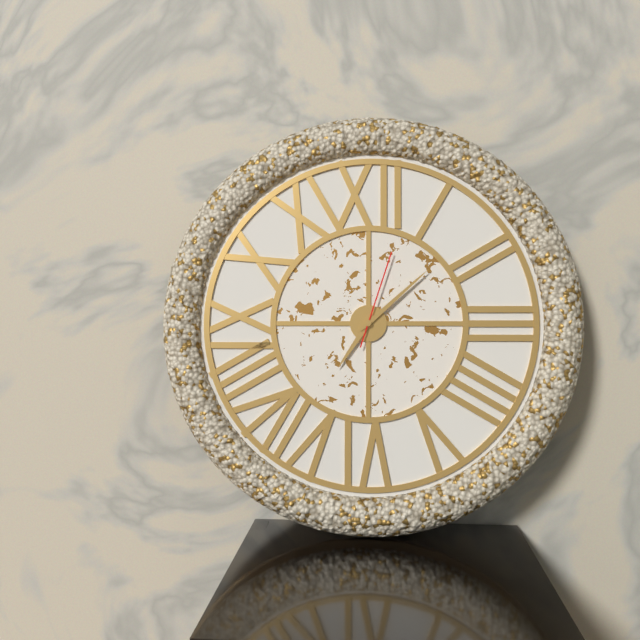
7 h 08 min 03 s
